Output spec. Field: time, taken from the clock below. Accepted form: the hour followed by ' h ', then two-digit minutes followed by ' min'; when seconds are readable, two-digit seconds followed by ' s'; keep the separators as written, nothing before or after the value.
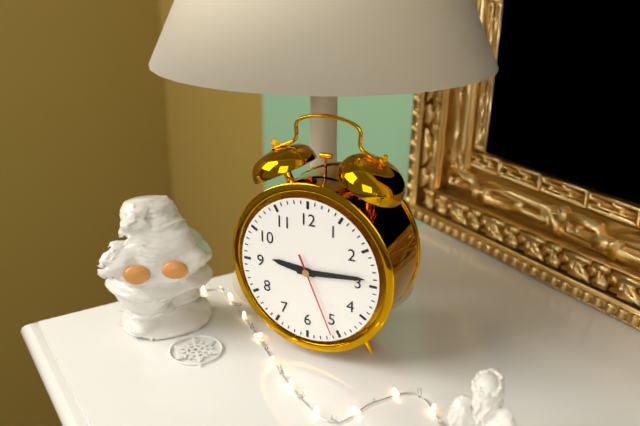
9 h 14 min 26 s
